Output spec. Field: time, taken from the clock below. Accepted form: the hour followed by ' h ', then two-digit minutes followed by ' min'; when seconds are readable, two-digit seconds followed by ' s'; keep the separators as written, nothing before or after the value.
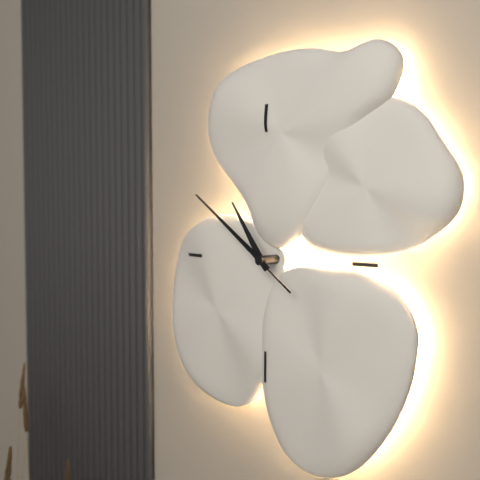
10 h 51 min 51 s
